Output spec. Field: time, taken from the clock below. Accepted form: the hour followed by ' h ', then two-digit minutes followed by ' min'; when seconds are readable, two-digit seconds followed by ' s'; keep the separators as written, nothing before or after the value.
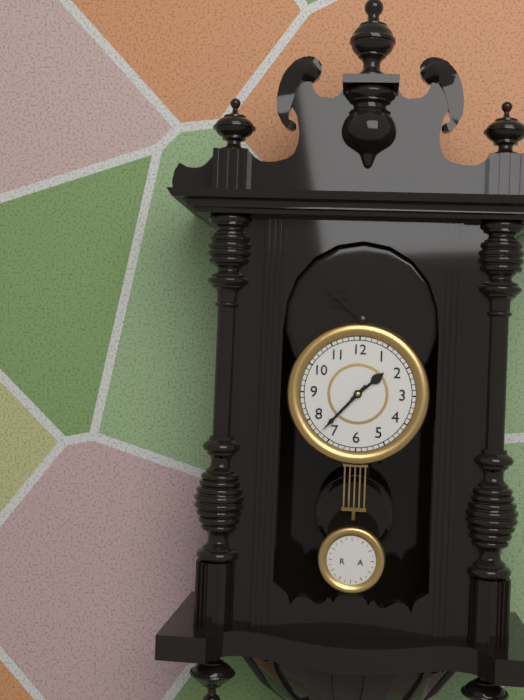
1 h 37 min
